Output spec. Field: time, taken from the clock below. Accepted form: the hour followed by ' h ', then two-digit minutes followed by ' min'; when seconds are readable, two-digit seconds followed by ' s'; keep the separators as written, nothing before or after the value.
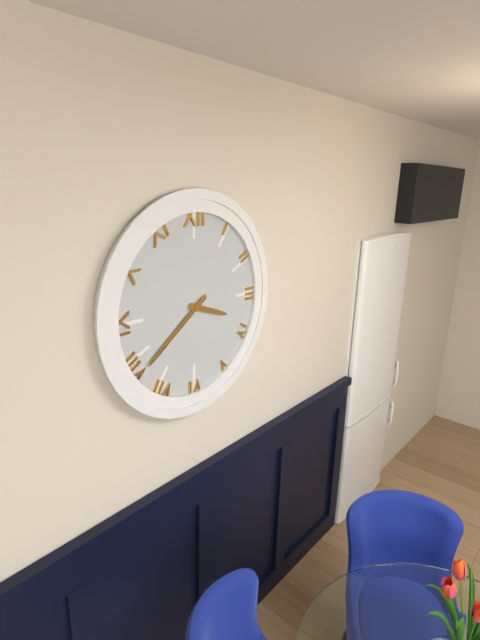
3 h 39 min
